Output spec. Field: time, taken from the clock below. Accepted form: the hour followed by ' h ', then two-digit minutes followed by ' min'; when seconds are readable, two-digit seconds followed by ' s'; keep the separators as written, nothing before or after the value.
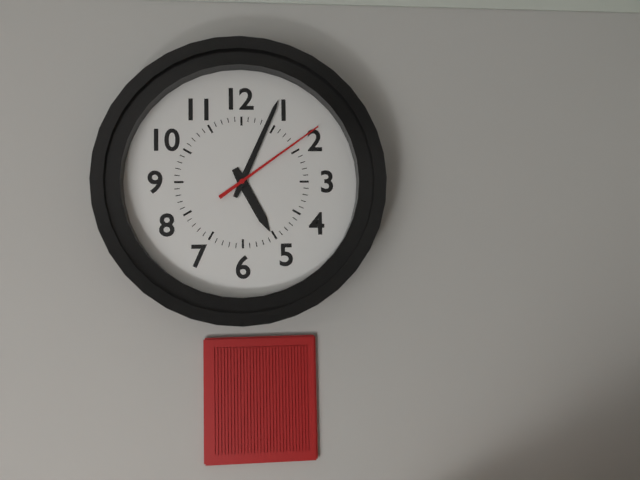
5 h 04 min 09 s
